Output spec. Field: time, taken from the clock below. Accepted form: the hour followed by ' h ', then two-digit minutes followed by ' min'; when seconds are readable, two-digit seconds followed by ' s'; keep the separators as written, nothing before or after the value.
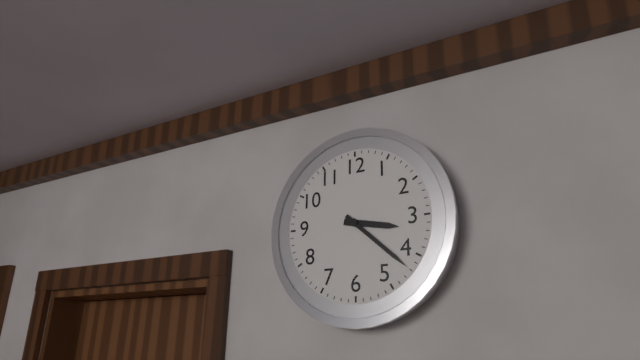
3 h 22 min
